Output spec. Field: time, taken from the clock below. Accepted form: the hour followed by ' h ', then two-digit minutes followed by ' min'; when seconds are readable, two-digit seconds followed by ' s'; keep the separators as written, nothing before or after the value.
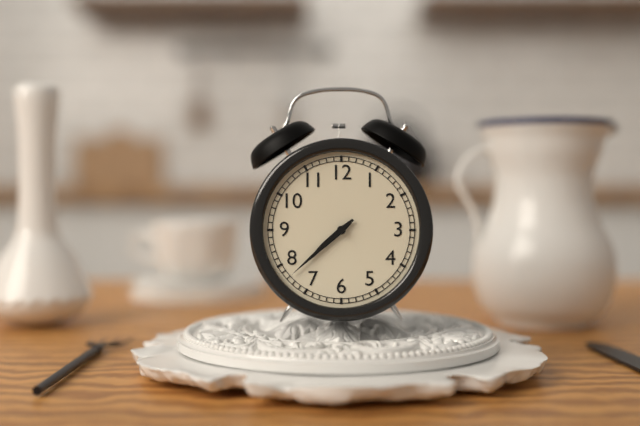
7 h 38 min
